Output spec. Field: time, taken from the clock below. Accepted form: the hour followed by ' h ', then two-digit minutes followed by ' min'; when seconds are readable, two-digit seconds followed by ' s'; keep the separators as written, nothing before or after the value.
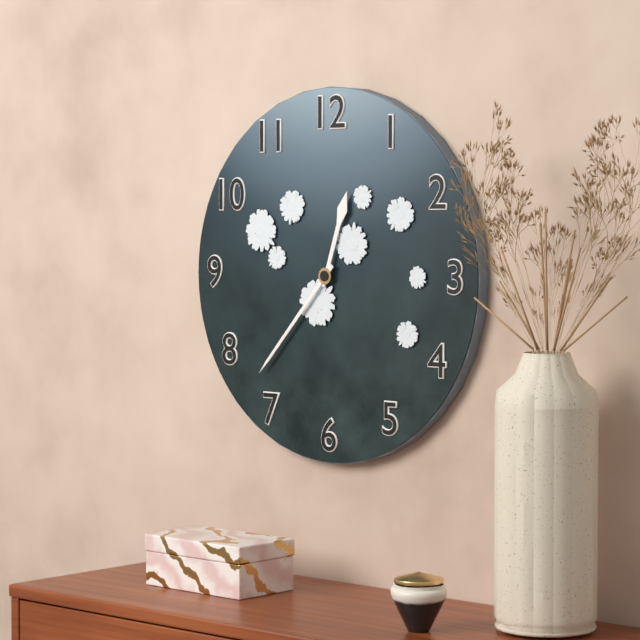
12 h 37 min
